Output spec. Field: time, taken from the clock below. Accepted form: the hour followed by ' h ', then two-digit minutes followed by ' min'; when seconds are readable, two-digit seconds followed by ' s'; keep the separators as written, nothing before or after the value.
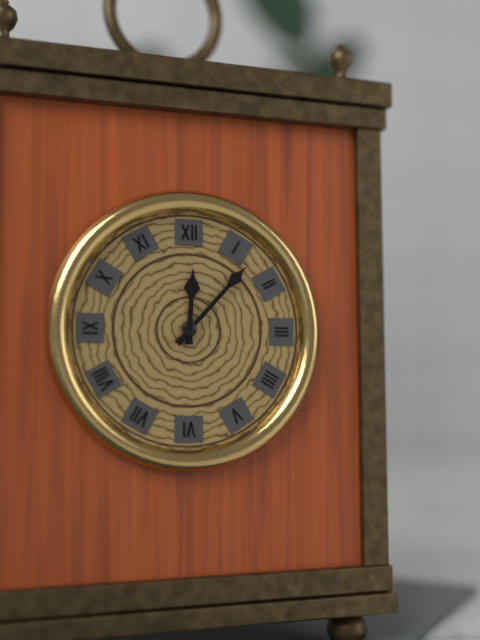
12 h 07 min
